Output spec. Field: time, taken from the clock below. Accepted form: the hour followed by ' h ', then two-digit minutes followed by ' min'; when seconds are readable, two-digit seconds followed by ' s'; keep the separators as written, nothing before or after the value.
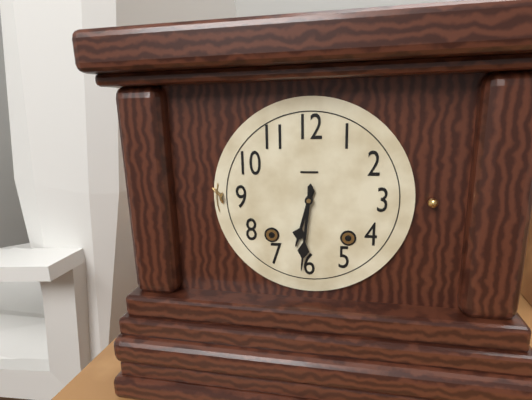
6 h 31 min
